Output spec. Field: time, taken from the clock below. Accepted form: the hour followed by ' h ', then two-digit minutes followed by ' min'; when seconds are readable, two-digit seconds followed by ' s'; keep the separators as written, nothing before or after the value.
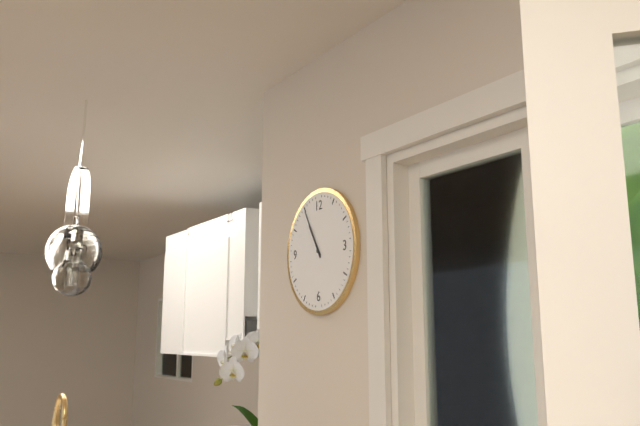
10 h 55 min
